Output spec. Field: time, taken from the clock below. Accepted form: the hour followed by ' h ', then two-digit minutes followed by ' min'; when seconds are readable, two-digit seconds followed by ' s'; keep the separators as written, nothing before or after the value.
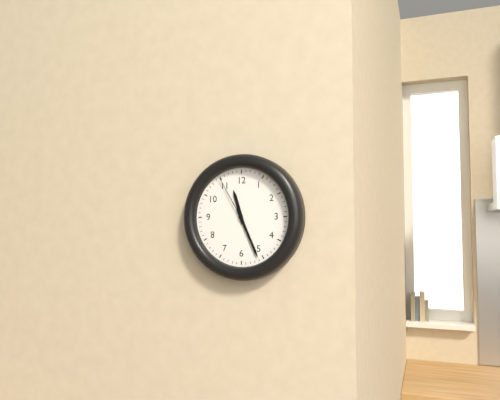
11 h 26 min 55 s
